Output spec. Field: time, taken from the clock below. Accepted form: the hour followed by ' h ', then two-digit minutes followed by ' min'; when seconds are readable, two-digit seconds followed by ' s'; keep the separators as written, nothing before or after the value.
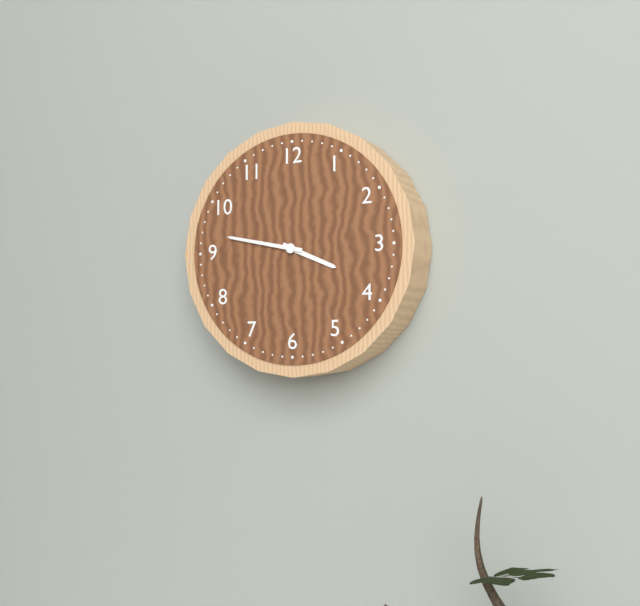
3 h 47 min
